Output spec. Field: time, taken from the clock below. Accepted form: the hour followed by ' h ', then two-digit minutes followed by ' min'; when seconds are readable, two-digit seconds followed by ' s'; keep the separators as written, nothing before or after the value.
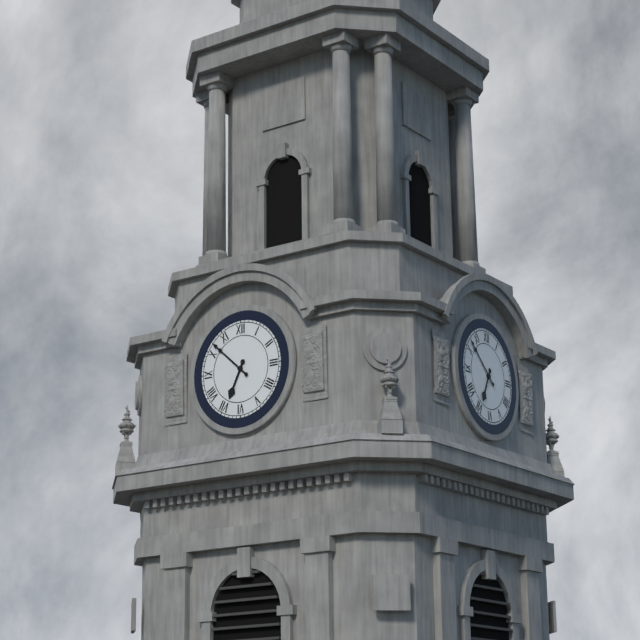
6 h 52 min
